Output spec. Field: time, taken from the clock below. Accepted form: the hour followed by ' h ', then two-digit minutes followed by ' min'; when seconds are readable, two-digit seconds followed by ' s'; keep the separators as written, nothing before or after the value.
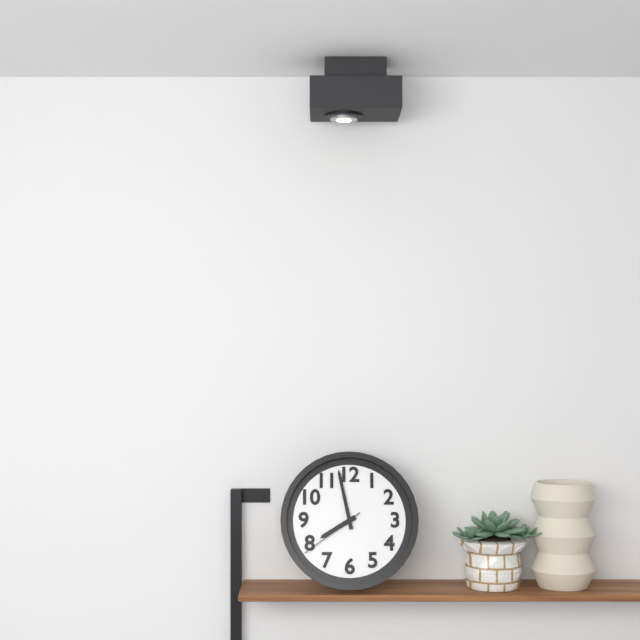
7 h 58 min 39 s
